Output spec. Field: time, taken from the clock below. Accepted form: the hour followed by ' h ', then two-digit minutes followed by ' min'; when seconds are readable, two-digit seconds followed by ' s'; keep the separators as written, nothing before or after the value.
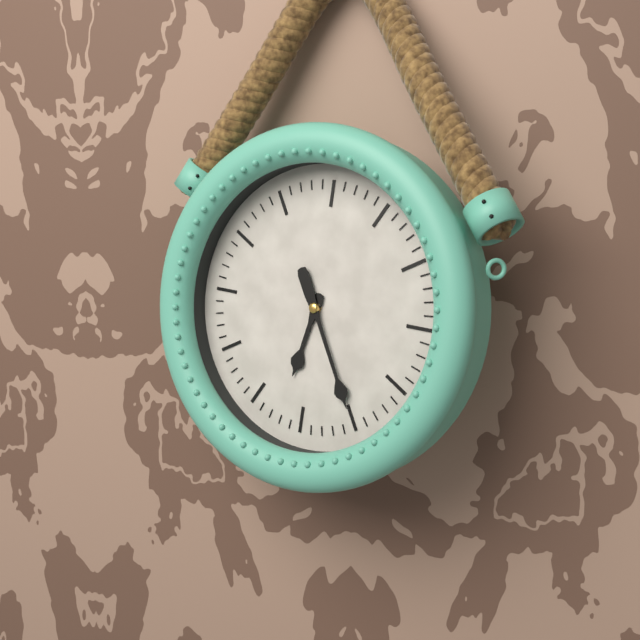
6 h 25 min
